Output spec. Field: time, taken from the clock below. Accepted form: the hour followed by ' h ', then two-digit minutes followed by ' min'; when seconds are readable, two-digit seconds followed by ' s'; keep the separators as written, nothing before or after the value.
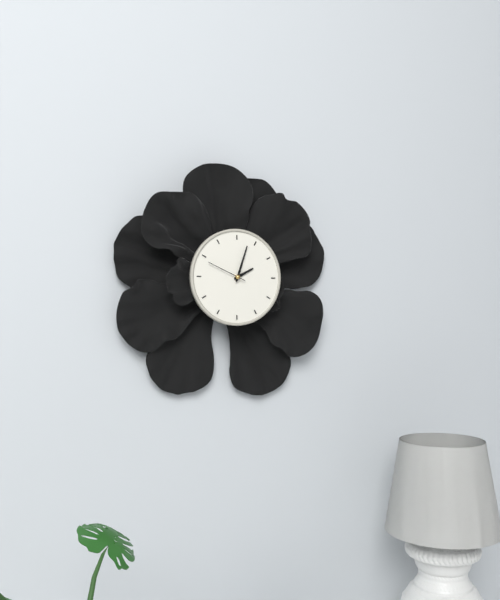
2 h 03 min
